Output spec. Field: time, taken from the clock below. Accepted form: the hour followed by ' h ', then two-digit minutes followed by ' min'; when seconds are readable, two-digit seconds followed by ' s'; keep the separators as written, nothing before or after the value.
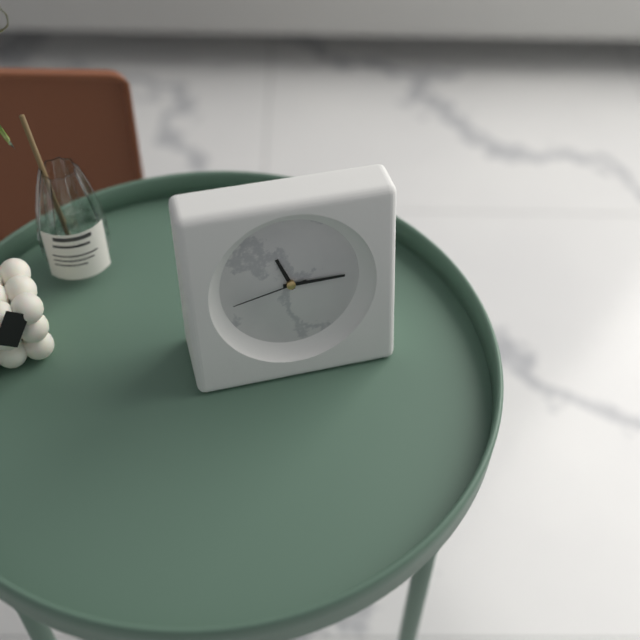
11 h 15 min 43 s
